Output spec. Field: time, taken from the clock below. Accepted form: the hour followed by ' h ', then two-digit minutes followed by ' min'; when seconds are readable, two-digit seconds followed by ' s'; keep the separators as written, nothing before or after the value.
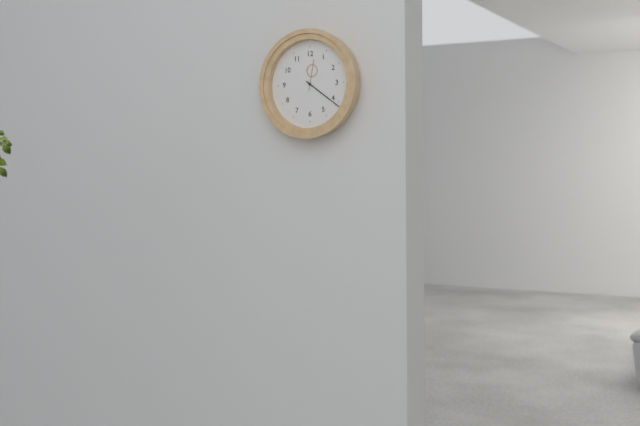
12 h 21 min
